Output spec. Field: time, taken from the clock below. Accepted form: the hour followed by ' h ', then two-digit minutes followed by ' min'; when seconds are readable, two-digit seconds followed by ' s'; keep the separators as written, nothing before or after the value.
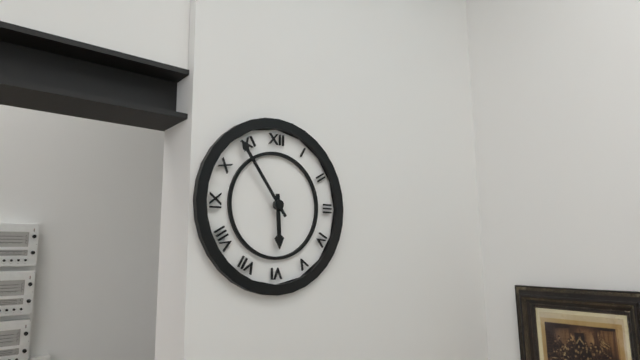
5 h 54 min
